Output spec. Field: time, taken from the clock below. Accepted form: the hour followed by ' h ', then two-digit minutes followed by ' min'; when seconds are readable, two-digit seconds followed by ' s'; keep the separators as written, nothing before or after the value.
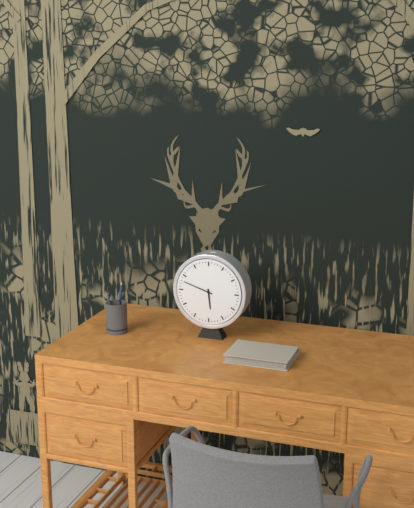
5 h 48 min
